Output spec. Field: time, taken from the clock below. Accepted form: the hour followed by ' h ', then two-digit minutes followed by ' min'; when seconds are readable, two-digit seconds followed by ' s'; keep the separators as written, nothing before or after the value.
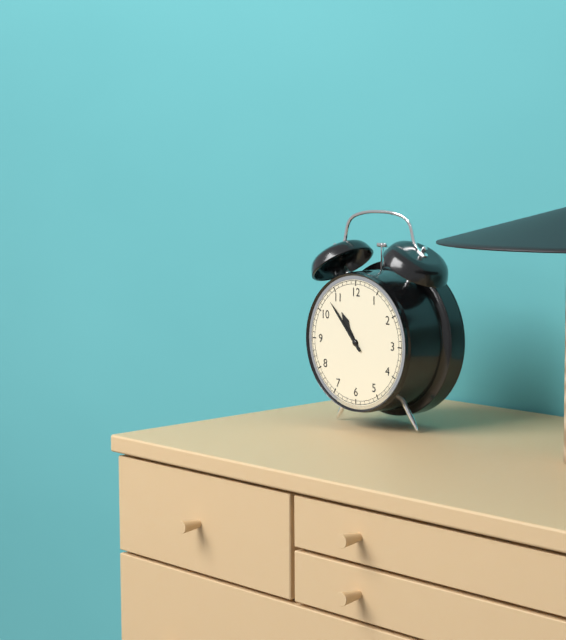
10 h 53 min
